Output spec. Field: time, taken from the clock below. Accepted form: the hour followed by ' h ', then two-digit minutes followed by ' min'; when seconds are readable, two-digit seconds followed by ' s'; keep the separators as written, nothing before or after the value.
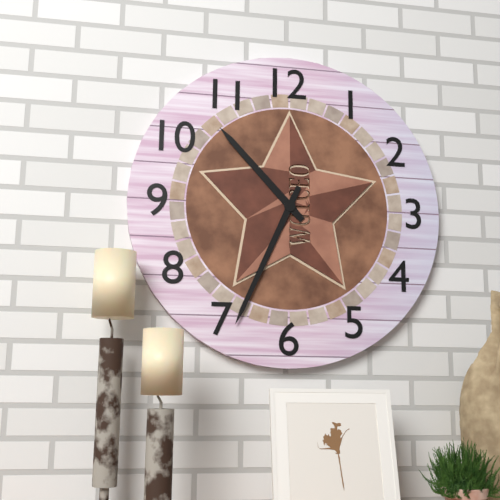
10 h 34 min
